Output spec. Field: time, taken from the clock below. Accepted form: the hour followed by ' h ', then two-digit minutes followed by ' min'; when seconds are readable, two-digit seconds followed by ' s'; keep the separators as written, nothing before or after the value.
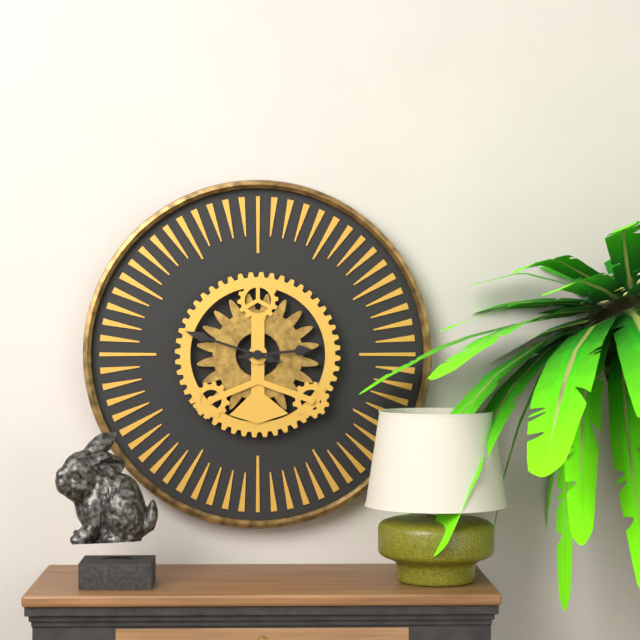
2 h 48 min
